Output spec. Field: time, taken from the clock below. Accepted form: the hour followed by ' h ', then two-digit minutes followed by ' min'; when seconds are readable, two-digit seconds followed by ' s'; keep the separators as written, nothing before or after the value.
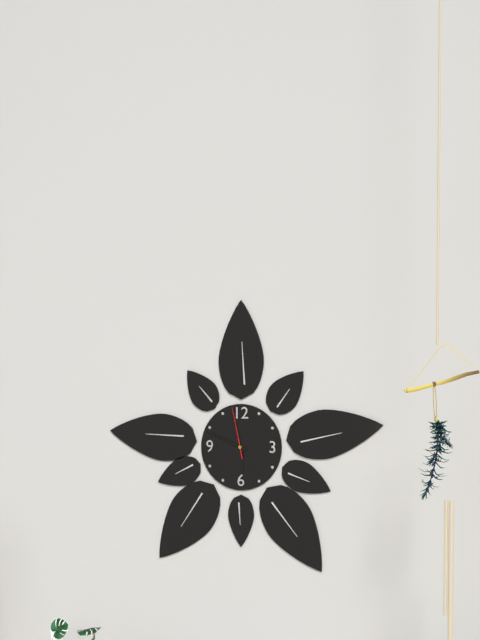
5 h 49 min 58 s
